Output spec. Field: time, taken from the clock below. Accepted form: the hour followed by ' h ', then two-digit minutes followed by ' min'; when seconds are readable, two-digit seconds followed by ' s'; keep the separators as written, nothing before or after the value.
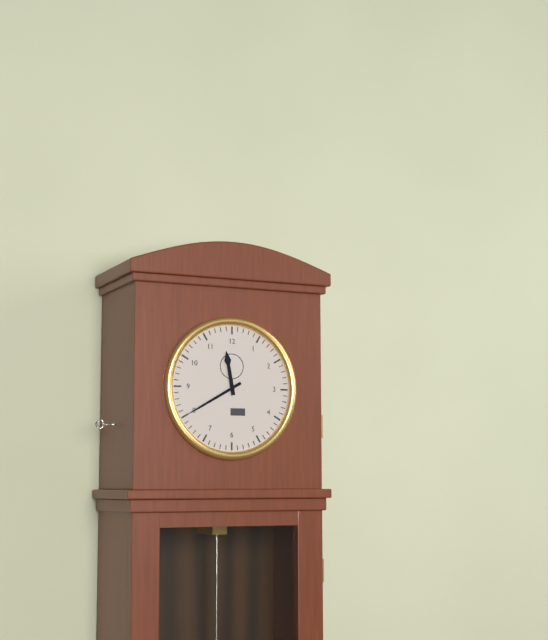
11 h 40 min
